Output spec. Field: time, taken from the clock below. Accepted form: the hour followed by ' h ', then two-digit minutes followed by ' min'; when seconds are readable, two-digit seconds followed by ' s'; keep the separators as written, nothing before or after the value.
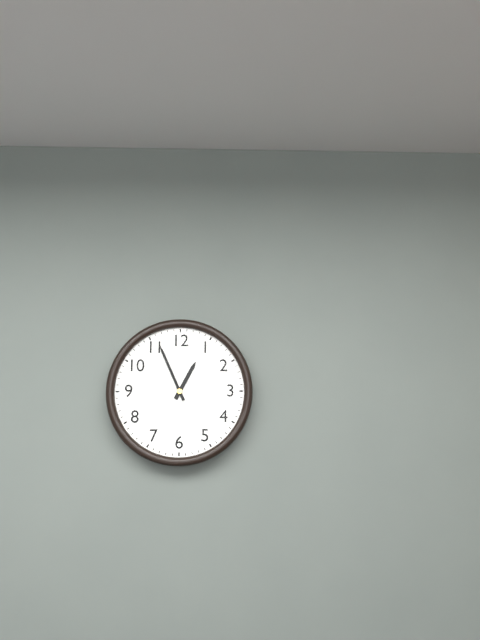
12 h 56 min
